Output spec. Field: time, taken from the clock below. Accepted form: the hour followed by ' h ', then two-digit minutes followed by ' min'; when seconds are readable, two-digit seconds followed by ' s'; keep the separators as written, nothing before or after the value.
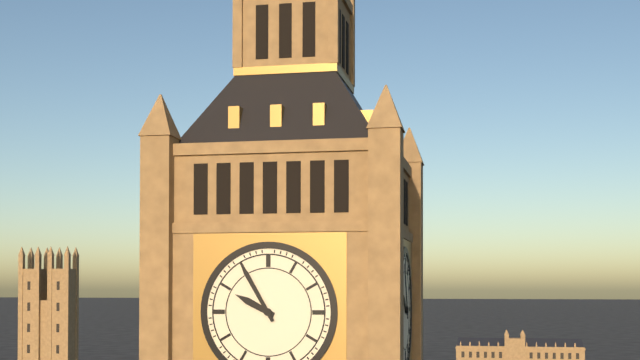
9 h 55 min
